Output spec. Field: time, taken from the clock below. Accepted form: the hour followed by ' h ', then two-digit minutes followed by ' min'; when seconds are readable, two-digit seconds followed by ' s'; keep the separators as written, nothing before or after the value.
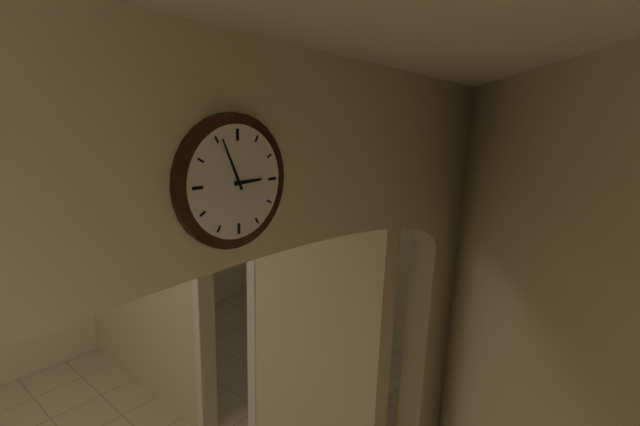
2 h 56 min
